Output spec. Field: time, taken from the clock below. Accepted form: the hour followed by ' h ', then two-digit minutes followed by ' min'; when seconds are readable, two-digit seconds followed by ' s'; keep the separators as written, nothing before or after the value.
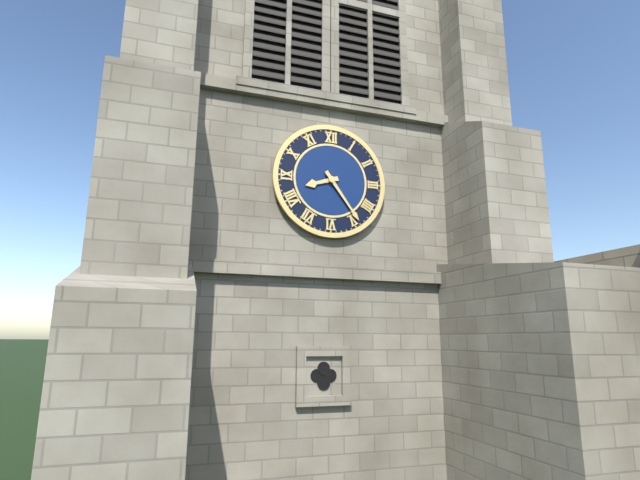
8 h 24 min
